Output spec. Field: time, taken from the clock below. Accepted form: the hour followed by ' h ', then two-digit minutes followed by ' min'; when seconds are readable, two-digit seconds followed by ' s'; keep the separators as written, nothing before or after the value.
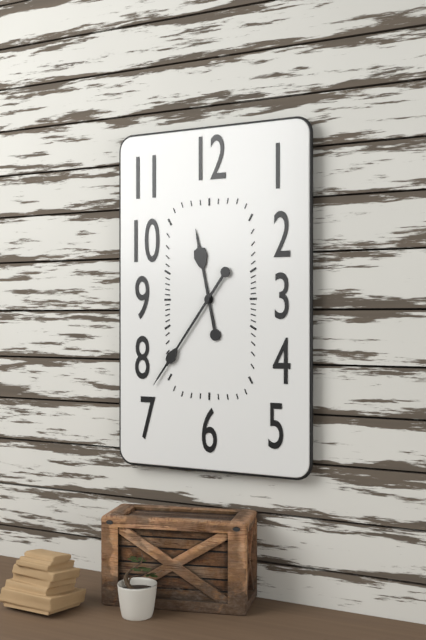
11 h 36 min
